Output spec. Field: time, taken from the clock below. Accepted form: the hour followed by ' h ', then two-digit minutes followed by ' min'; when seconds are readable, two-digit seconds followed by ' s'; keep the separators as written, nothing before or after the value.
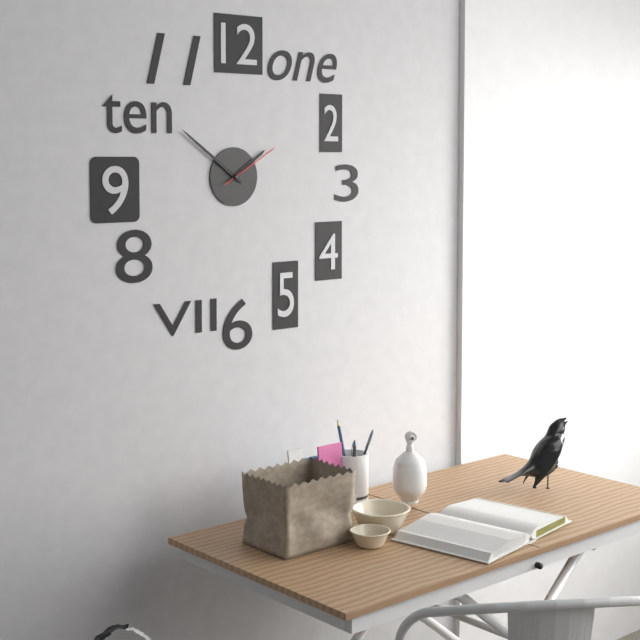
1 h 51 min 10 s
